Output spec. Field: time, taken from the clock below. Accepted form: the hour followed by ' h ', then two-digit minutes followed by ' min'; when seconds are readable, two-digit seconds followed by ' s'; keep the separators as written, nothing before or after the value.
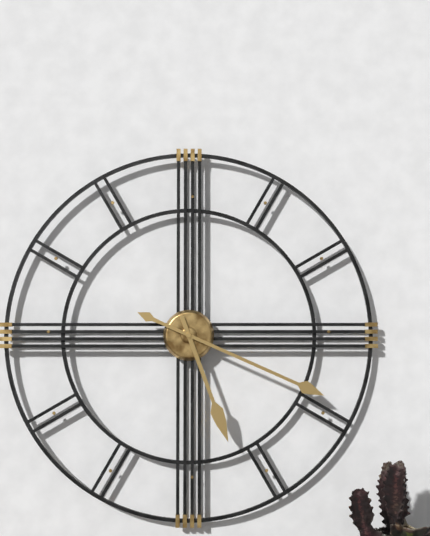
5 h 19 min
